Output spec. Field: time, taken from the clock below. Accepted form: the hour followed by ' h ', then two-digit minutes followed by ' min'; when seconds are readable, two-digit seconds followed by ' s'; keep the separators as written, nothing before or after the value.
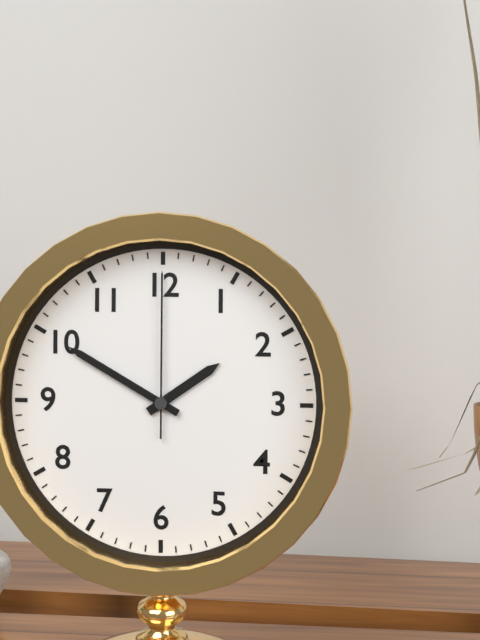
1 h 50 min 00 s
